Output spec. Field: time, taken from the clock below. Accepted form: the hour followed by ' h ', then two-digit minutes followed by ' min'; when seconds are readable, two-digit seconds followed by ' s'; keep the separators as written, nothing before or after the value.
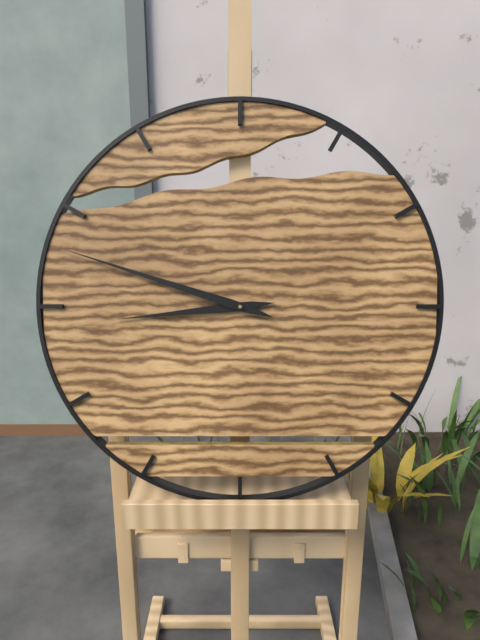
8 h 48 min
